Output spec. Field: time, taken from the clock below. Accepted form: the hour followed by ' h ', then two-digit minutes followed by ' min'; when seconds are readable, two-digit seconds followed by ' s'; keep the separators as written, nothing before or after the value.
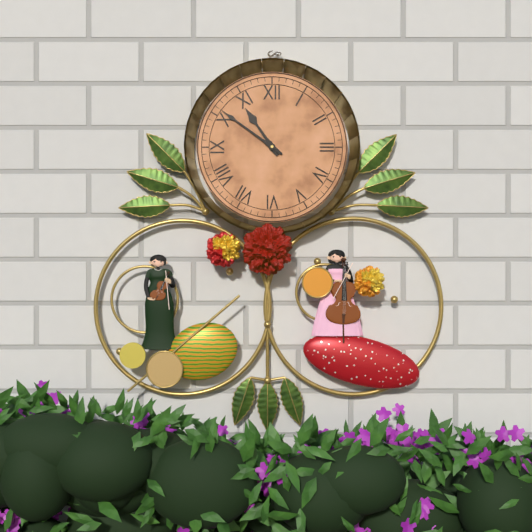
10 h 51 min
